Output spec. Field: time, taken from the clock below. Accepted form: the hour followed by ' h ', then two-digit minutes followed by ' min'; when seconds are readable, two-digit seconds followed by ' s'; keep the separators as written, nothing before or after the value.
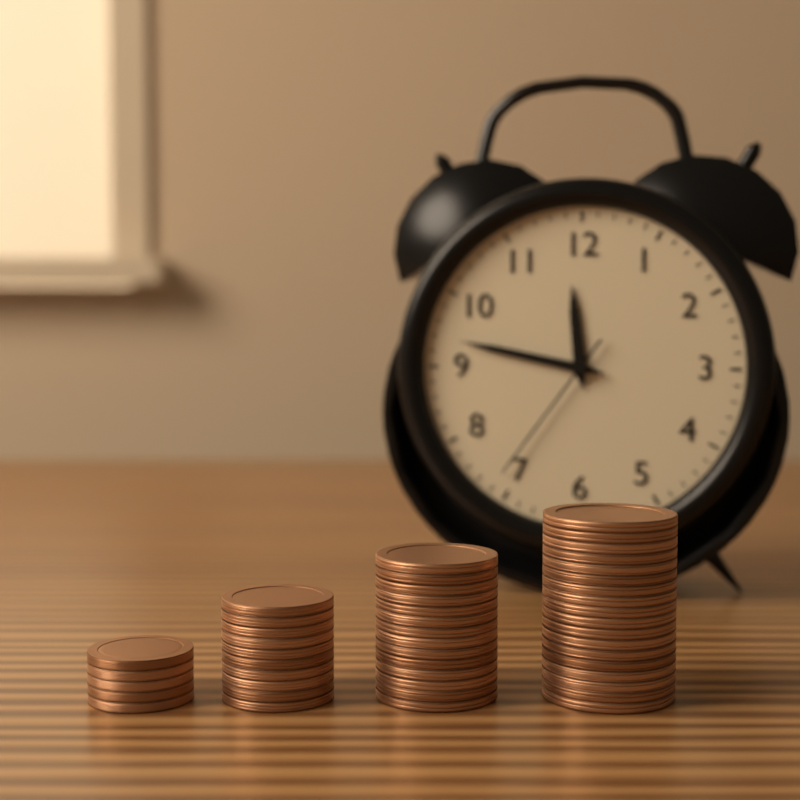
11 h 47 min 36 s
